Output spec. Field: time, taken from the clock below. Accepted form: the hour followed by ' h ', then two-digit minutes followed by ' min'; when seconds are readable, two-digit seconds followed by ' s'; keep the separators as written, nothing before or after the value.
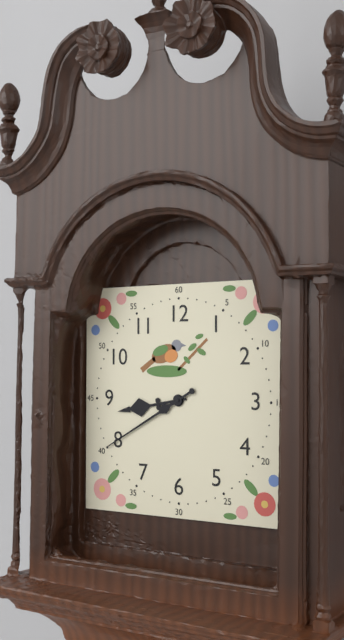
8 h 40 min
